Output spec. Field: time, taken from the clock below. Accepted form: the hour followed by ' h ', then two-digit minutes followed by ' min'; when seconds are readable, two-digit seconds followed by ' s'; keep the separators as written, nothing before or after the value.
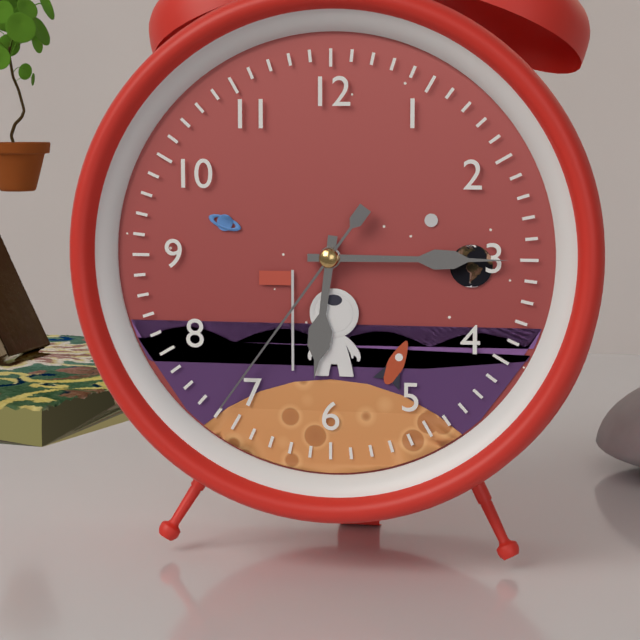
6 h 15 min 36 s
